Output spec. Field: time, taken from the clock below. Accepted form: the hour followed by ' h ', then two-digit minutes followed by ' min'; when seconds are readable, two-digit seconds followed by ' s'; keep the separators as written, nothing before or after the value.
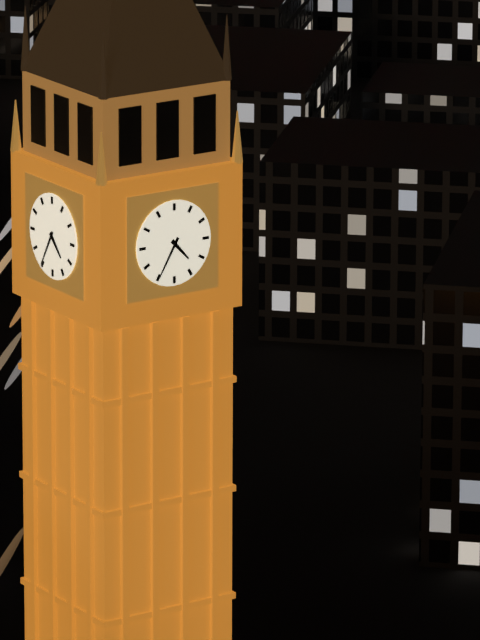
4 h 35 min
